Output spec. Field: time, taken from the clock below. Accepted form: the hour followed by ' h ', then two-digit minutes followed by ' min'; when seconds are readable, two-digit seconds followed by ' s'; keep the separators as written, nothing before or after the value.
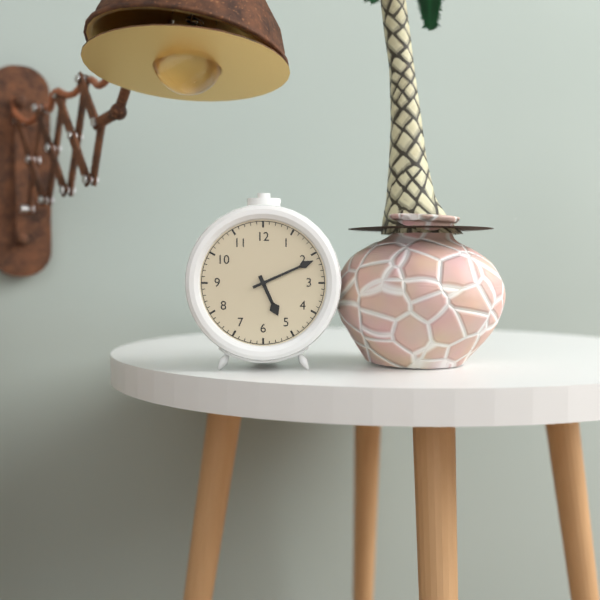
5 h 11 min
